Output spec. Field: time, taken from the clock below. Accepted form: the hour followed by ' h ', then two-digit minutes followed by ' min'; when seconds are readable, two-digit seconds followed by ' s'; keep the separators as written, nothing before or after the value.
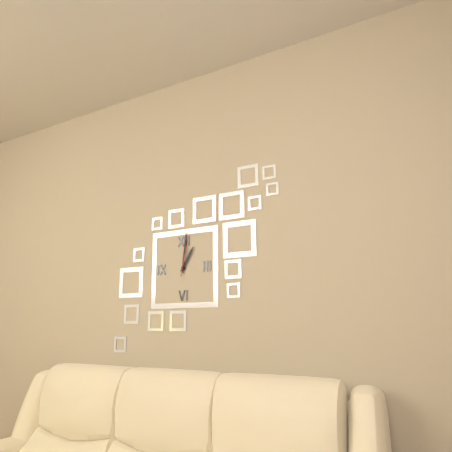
1 h 01 min
